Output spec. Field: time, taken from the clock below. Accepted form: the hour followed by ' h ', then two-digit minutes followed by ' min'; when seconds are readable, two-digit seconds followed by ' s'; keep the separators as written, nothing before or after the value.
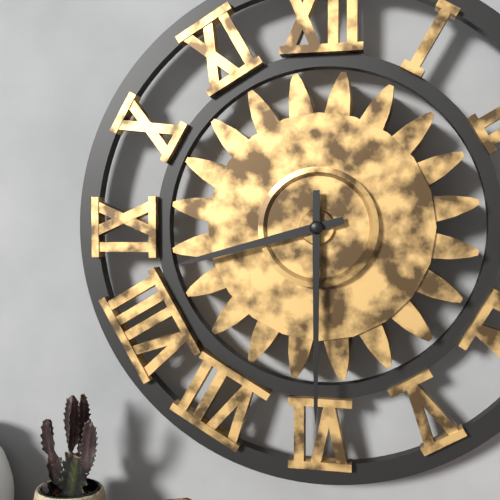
8 h 30 min
